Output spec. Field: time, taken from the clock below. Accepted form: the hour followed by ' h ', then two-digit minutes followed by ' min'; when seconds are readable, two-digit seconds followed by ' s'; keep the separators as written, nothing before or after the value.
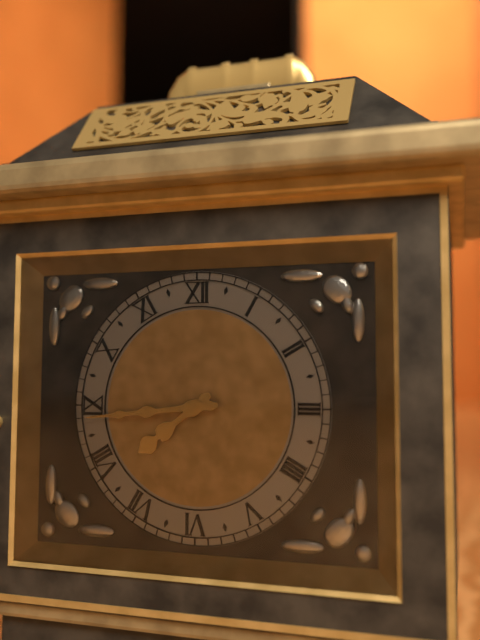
7 h 44 min
